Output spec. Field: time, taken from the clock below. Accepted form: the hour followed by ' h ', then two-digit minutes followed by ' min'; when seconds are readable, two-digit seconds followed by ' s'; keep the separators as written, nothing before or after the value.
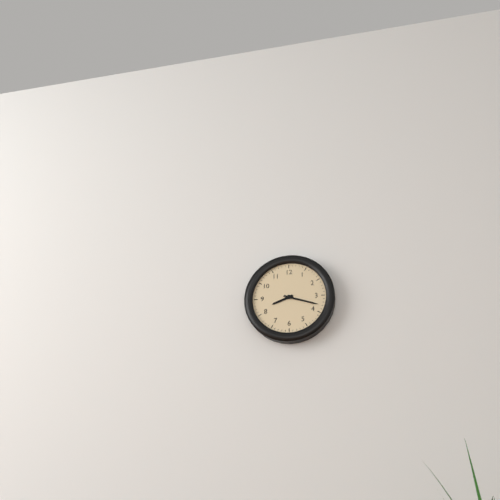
8 h 18 min
